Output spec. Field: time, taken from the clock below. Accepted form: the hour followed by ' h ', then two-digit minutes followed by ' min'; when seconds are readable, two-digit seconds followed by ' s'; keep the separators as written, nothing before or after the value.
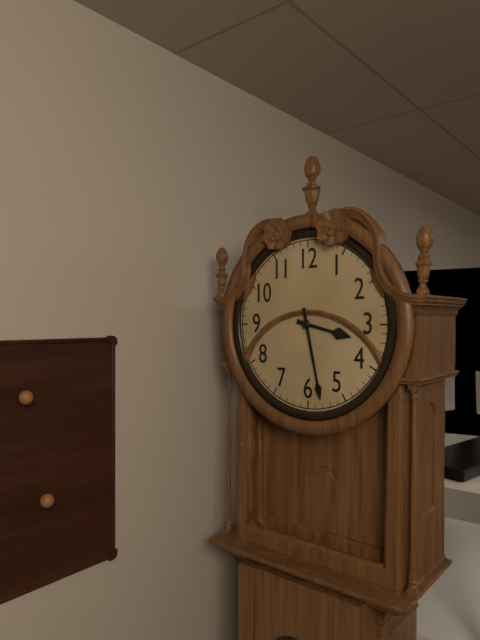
3 h 28 min
